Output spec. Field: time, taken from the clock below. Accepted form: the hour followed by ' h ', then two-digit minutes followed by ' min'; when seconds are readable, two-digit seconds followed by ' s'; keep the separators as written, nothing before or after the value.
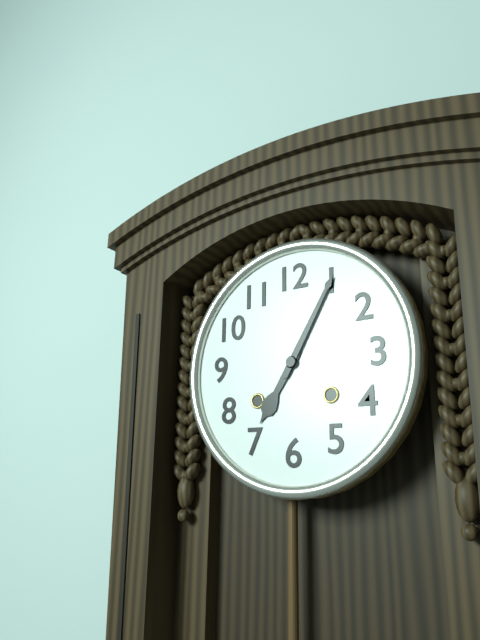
7 h 05 min
